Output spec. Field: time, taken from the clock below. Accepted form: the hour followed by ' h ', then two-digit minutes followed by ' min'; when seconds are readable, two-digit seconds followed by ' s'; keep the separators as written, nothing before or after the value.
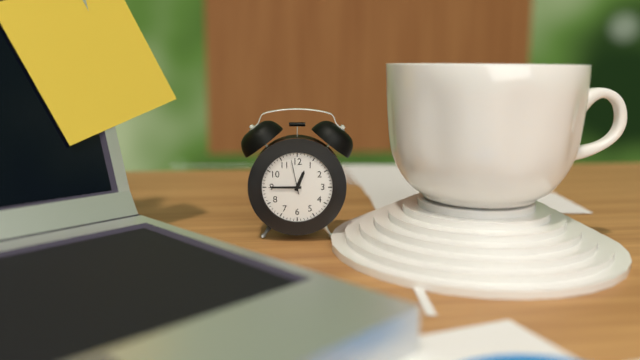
12 h 45 min
